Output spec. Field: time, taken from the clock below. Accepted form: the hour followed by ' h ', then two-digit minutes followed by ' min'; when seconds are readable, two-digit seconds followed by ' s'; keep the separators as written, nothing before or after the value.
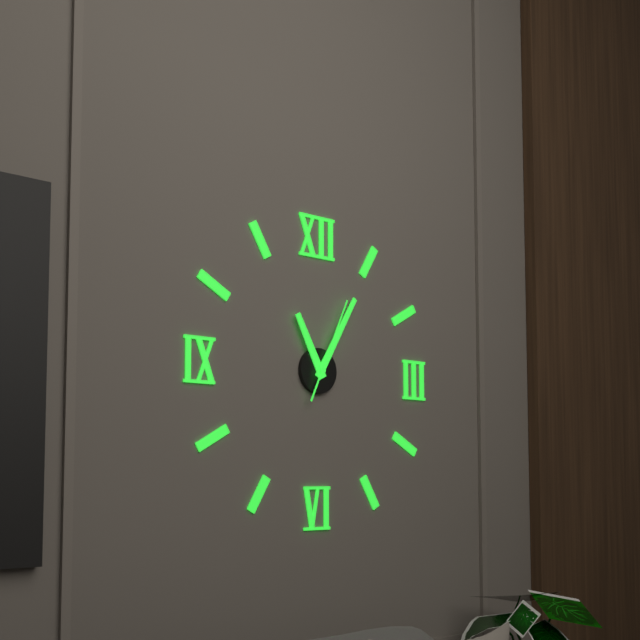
11 h 05 min 04 s
